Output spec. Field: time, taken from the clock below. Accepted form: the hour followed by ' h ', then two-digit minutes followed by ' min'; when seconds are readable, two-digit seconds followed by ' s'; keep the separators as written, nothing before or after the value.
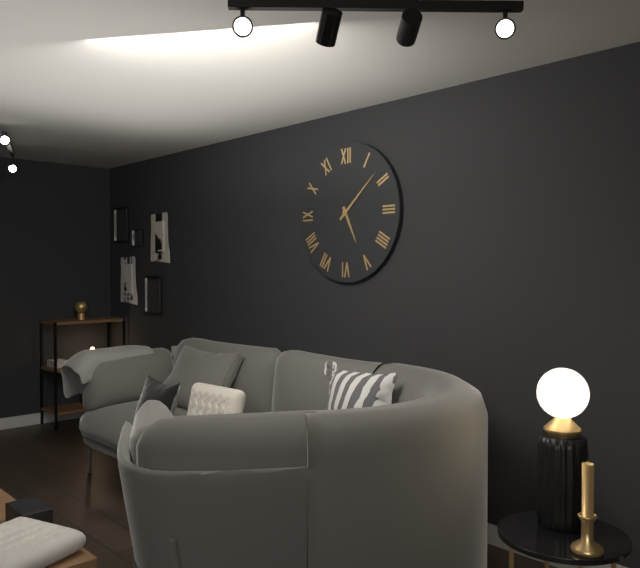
5 h 08 min
